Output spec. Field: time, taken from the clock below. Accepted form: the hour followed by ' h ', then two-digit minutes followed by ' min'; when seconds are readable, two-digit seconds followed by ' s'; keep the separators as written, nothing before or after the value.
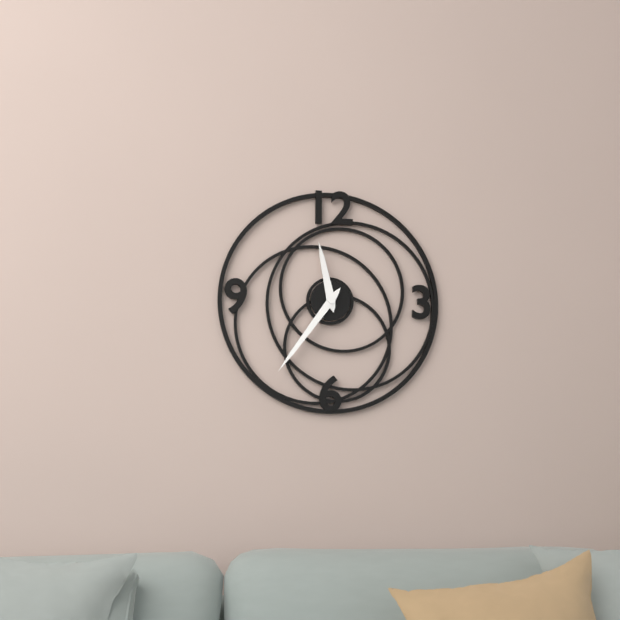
11 h 36 min
